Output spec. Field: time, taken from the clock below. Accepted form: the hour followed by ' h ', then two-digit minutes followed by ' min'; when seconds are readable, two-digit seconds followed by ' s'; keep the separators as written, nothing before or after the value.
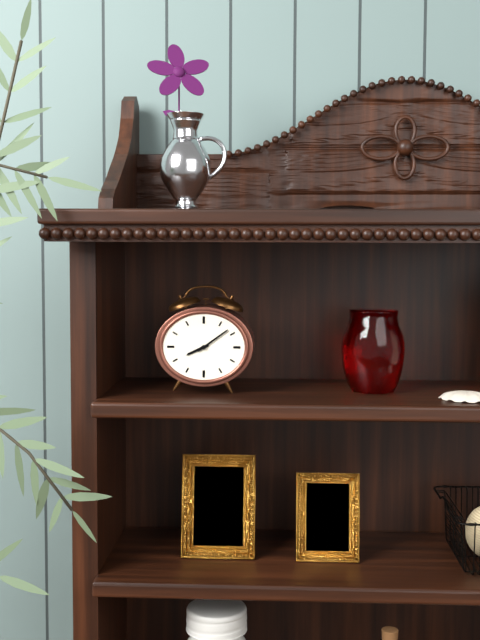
8 h 09 min
